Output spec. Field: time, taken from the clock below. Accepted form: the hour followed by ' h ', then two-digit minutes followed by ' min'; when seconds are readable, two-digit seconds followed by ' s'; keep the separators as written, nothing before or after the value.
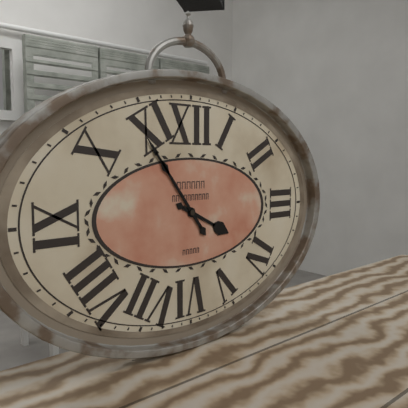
3 h 54 min
